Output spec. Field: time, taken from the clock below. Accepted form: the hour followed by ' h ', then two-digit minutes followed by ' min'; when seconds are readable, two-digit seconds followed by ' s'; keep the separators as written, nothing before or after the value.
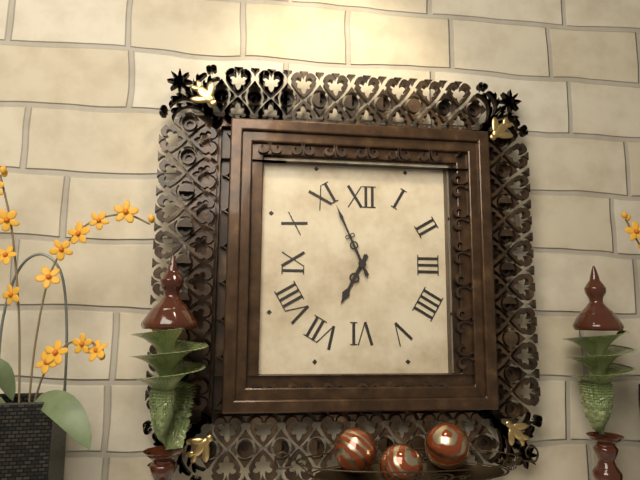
6 h 56 min
